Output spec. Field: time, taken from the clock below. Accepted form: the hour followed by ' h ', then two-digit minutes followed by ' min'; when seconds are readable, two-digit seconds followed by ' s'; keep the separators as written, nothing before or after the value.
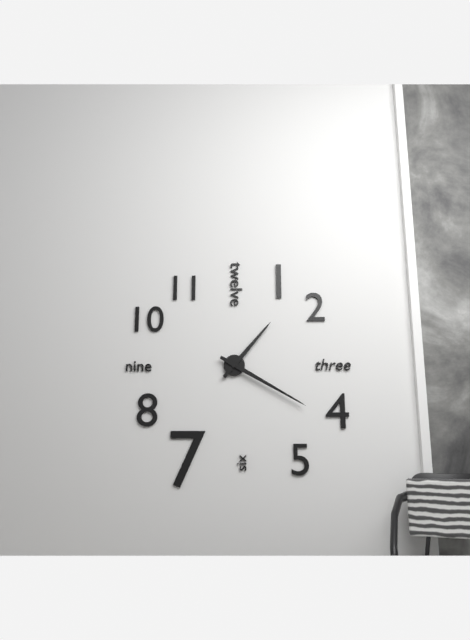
1 h 20 min
